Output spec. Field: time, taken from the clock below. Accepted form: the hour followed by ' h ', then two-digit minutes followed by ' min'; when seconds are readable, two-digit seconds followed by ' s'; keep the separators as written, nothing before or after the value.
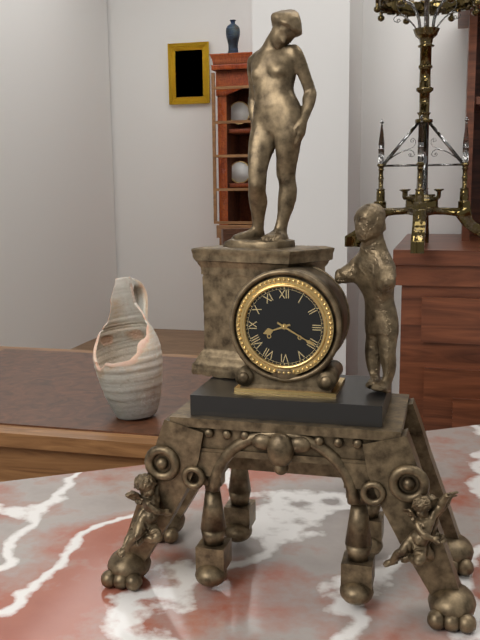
8 h 20 min
